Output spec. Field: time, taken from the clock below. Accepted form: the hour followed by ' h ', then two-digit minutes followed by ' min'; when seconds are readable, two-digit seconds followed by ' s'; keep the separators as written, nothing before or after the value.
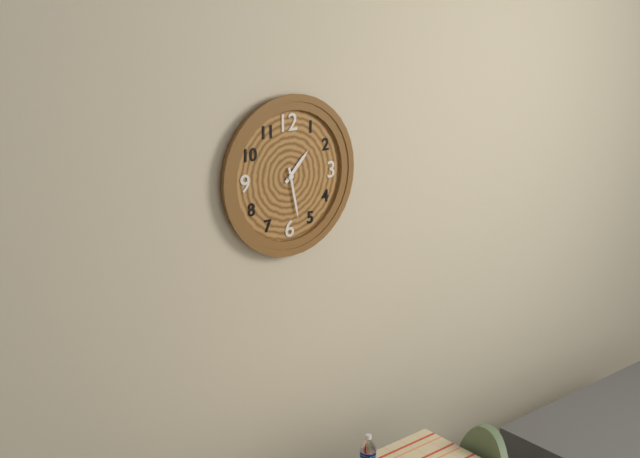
1 h 28 min
